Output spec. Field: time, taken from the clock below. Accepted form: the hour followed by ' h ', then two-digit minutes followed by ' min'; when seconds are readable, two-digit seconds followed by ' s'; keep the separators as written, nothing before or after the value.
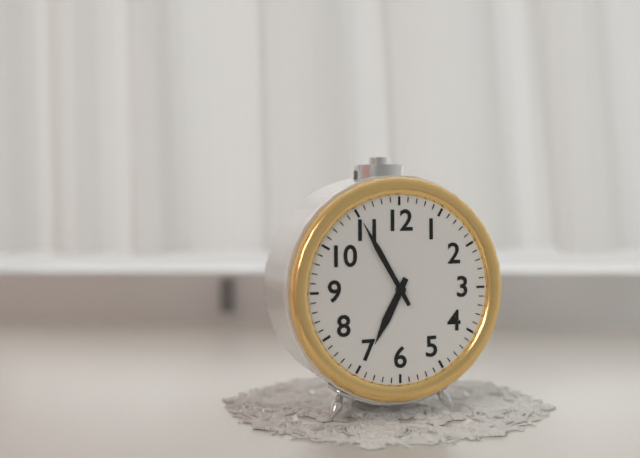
6 h 55 min
